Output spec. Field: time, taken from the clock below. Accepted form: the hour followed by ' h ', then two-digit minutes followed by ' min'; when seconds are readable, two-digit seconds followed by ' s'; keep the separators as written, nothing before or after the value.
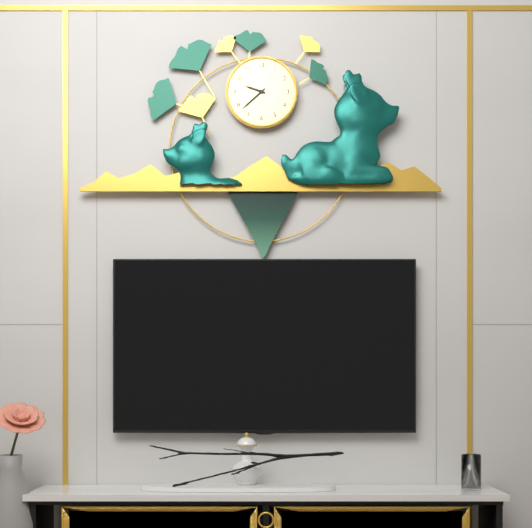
9 h 38 min
